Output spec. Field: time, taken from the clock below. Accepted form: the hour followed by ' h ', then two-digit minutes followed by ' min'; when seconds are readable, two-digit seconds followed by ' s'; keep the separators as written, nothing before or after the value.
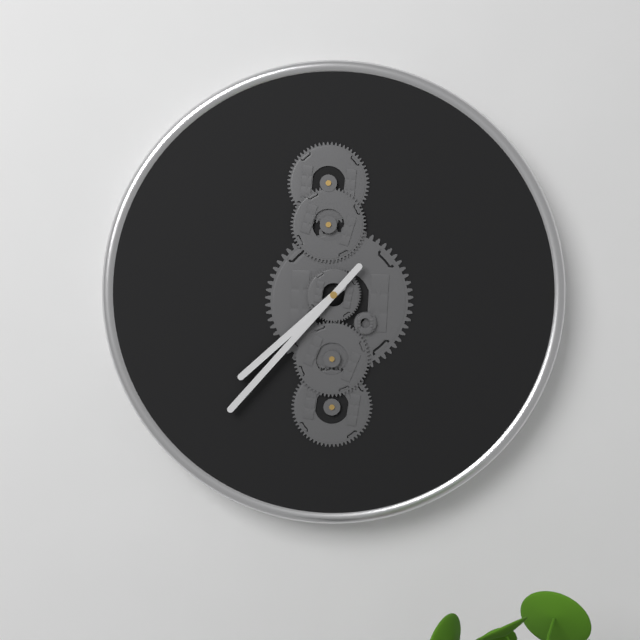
7 h 37 min
